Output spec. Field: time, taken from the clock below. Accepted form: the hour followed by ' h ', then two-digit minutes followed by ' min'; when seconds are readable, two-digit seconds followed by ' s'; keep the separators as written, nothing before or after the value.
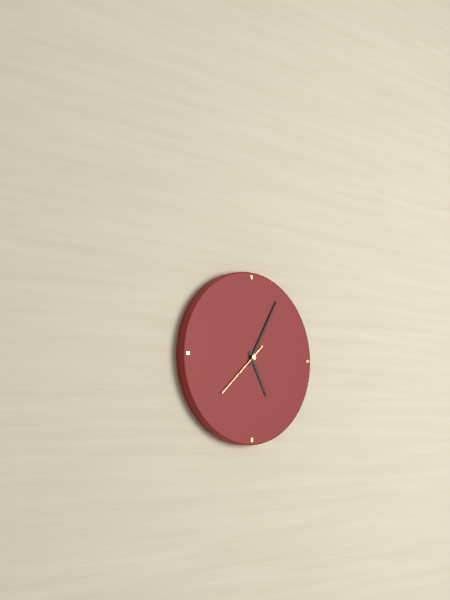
5 h 05 min 38 s
